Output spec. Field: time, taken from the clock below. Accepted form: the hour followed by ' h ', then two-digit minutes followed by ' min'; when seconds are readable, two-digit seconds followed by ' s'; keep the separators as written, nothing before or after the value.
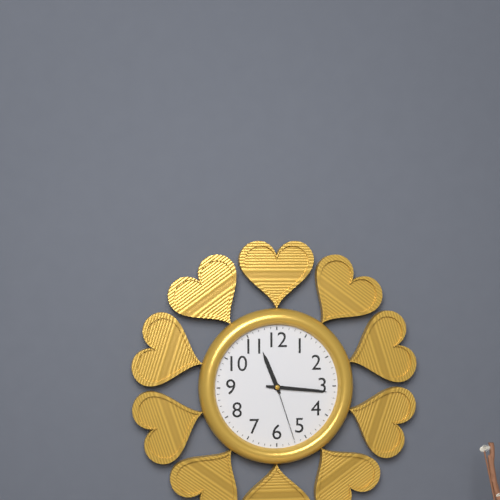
11 h 16 min 27 s
